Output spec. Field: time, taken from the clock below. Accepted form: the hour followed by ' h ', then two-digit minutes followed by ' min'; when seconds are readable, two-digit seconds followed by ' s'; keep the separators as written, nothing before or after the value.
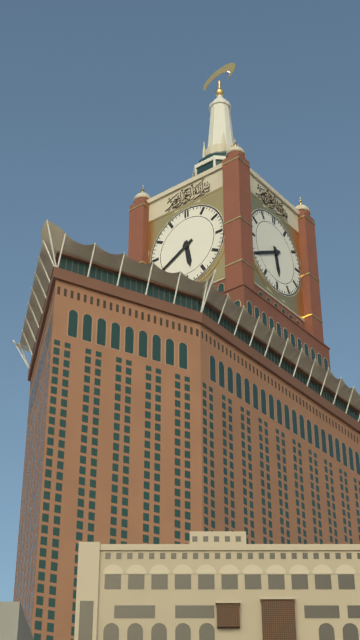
5 h 40 min
